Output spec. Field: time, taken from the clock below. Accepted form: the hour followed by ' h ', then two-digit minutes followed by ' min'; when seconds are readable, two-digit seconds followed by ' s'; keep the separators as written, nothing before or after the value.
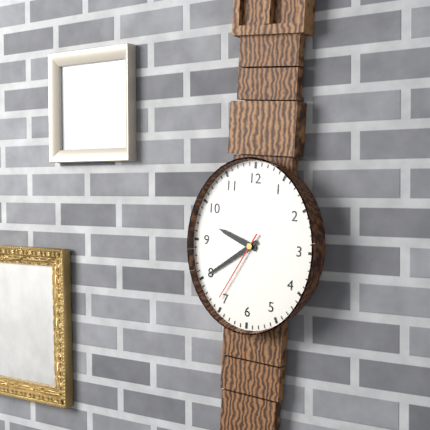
9 h 39 min 35 s
